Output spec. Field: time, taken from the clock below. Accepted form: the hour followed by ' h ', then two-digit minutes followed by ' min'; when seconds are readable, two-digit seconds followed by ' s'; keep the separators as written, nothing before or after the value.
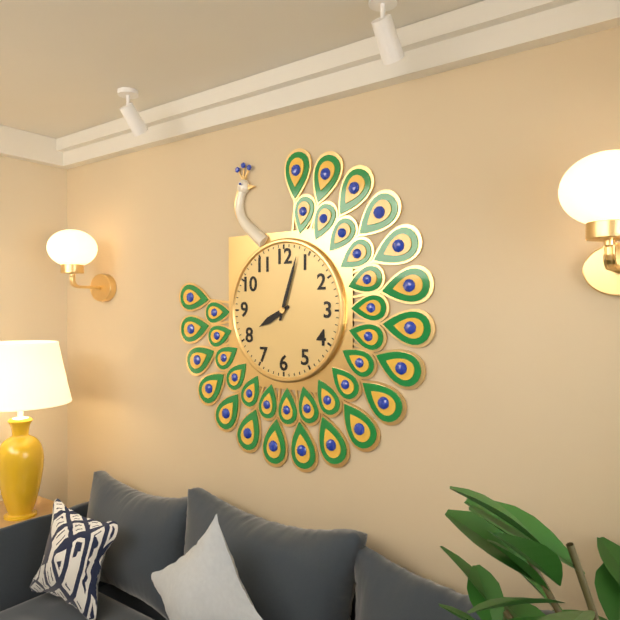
8 h 03 min
